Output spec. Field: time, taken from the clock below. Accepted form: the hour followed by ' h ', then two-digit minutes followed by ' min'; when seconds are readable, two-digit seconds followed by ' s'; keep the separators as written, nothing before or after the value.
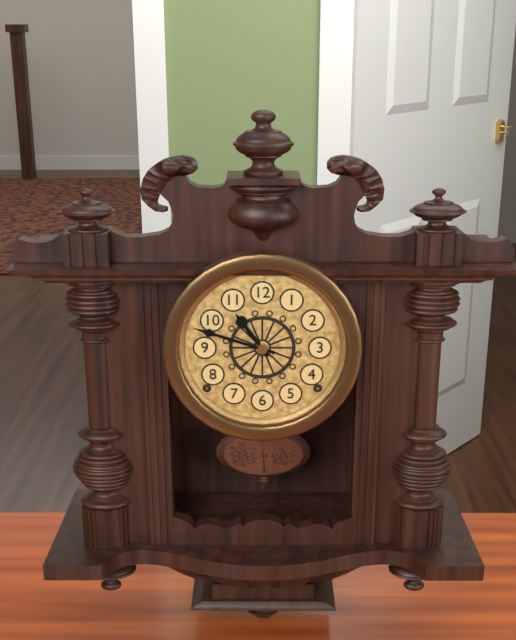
10 h 48 min
